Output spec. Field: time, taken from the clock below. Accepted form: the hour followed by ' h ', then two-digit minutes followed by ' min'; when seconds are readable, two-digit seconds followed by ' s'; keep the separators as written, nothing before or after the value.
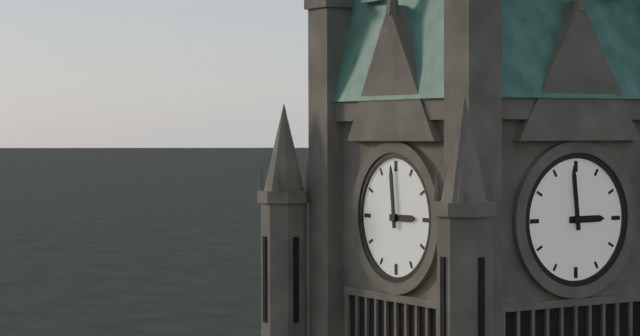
2 h 59 min
